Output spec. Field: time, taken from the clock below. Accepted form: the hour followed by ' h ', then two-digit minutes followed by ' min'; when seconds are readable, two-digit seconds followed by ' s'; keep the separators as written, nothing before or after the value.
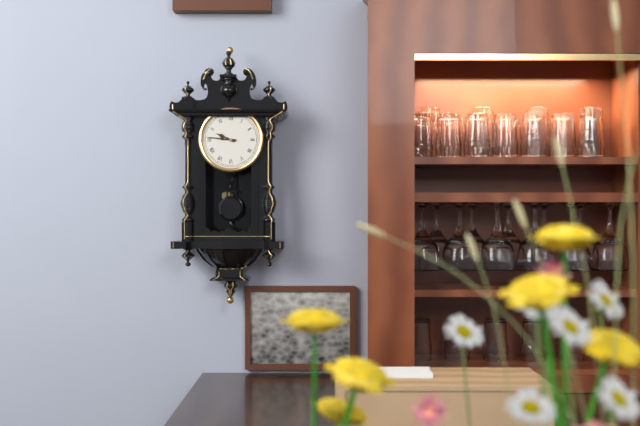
9 h 46 min
